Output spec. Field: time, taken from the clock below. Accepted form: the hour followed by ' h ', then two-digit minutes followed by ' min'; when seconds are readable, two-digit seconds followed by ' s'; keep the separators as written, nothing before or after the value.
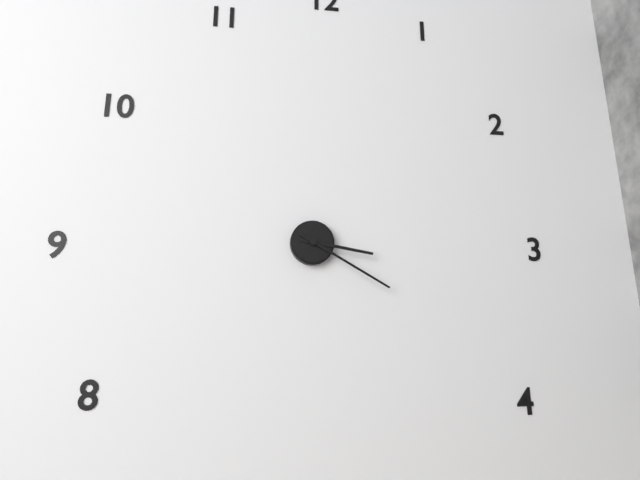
3 h 20 min
